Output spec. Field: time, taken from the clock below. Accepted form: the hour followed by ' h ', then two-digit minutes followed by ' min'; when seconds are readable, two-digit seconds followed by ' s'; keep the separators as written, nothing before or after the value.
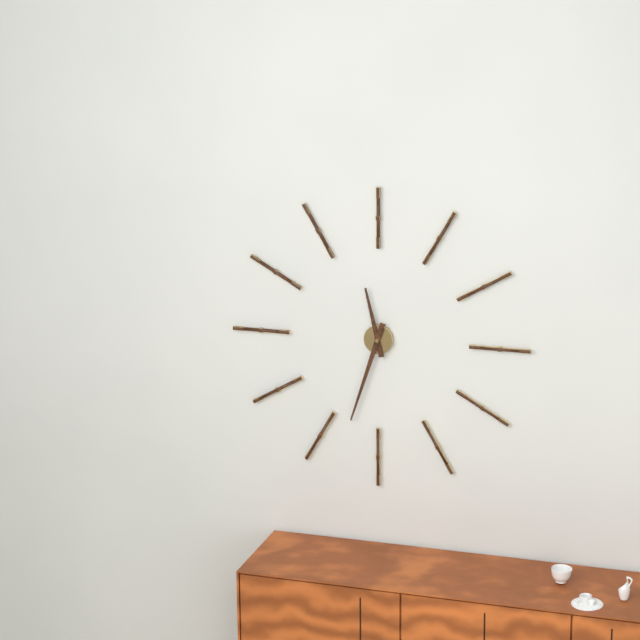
11 h 33 min
